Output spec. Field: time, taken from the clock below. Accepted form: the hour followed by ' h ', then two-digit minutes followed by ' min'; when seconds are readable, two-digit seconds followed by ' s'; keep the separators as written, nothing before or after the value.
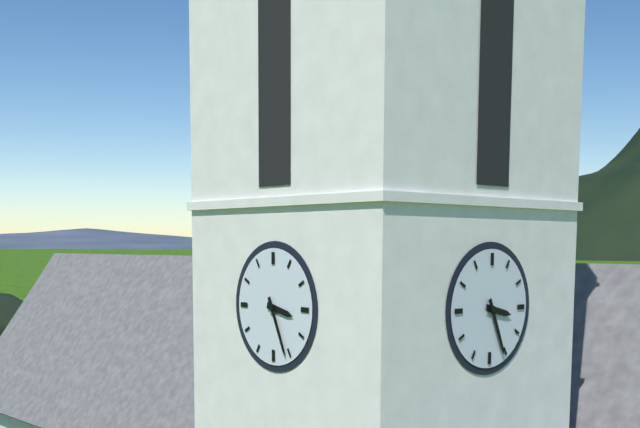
3 h 26 min
